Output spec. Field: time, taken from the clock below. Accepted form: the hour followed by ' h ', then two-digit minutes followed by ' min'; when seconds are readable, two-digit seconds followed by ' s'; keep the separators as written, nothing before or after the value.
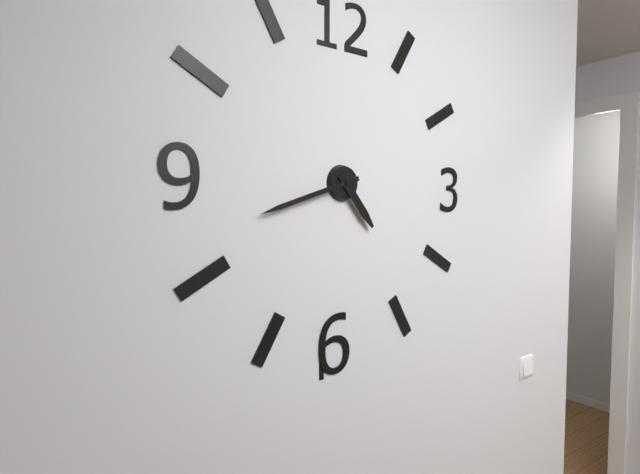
4 h 42 min
